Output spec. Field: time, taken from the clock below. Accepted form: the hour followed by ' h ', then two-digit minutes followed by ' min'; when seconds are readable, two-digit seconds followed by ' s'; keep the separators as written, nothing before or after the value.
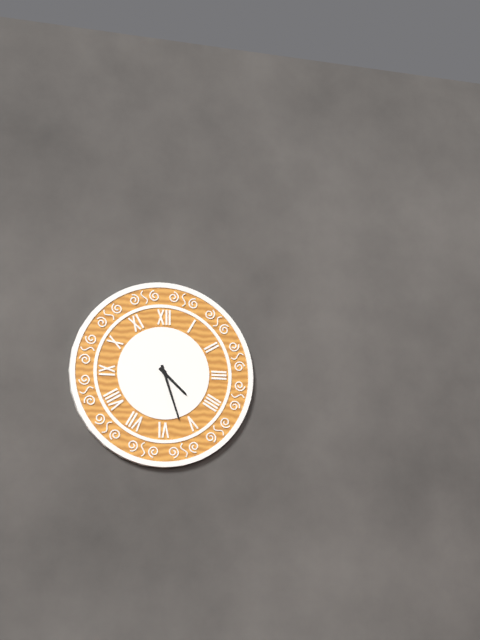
4 h 27 min
